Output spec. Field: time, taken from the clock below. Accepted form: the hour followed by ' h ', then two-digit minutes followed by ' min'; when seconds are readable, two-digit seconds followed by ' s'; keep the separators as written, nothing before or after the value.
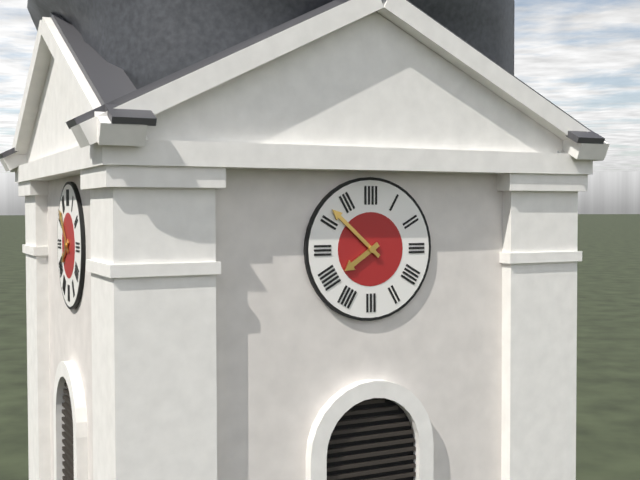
7 h 52 min
